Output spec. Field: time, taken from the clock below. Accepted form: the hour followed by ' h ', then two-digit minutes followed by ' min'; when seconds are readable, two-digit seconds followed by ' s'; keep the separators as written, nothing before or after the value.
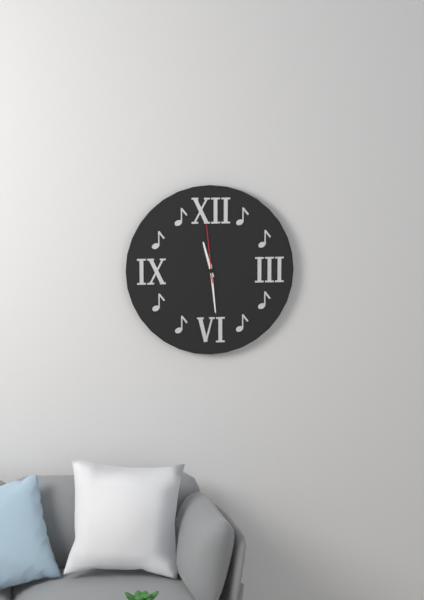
11 h 29 min 59 s
